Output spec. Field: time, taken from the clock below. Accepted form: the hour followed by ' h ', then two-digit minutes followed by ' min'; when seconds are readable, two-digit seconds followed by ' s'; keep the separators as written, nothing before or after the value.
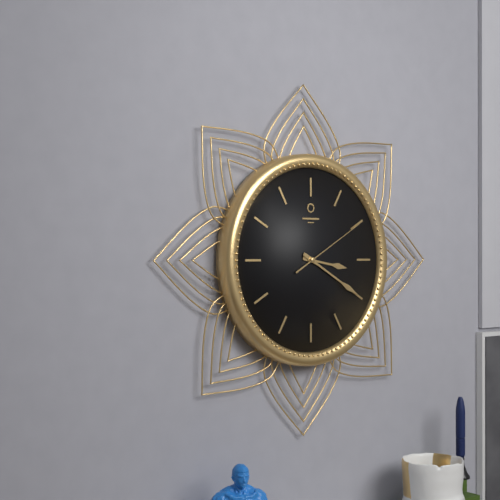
3 h 20 min 10 s
